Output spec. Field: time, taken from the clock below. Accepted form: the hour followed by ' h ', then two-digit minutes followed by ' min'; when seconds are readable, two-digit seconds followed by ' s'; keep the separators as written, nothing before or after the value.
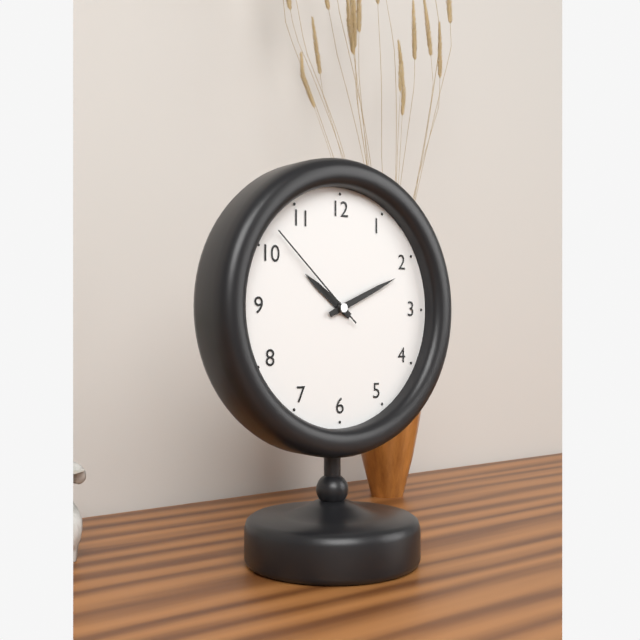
10 h 11 min 52 s
